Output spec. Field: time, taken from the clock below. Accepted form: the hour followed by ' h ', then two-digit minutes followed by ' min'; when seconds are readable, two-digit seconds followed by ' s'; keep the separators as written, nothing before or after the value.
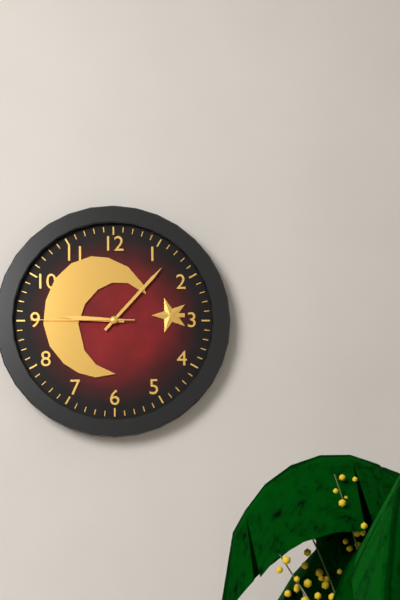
9 h 07 min 45 s
